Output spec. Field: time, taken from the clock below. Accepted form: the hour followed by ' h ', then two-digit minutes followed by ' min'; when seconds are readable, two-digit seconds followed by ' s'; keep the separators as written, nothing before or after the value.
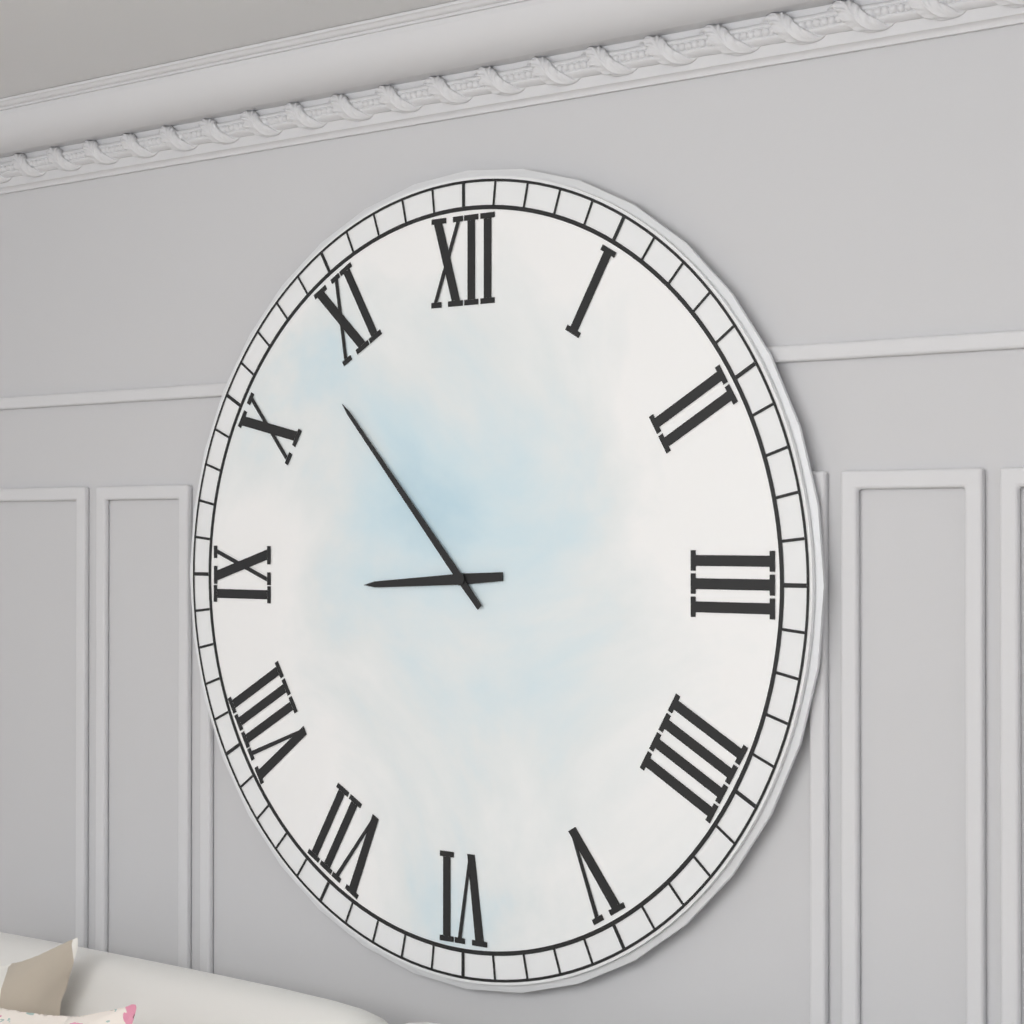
8 h 53 min
